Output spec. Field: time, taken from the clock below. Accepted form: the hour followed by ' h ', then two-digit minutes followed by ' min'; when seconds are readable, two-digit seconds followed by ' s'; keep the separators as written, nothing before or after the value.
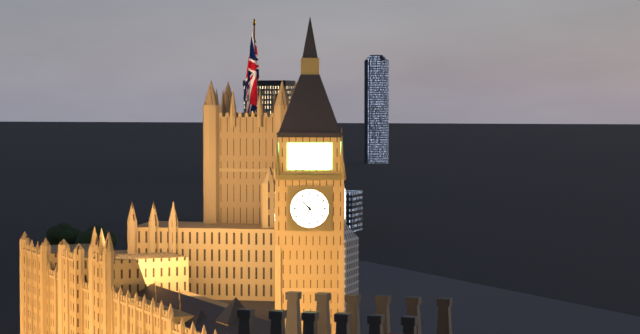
10 h 34 min
